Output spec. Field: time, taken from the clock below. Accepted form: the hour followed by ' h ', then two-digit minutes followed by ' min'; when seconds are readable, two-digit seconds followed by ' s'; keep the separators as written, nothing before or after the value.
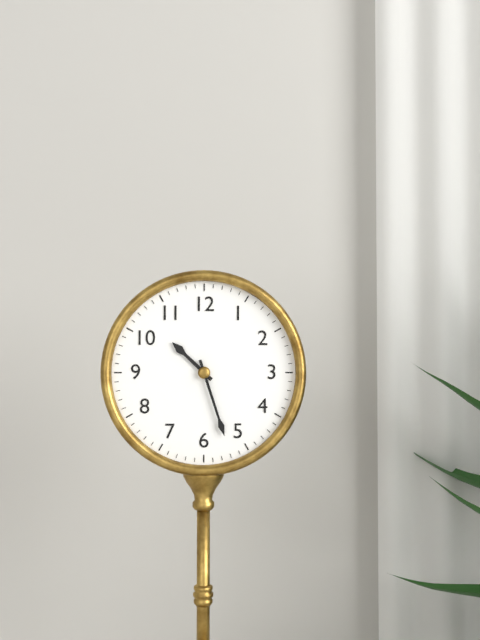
10 h 27 min
